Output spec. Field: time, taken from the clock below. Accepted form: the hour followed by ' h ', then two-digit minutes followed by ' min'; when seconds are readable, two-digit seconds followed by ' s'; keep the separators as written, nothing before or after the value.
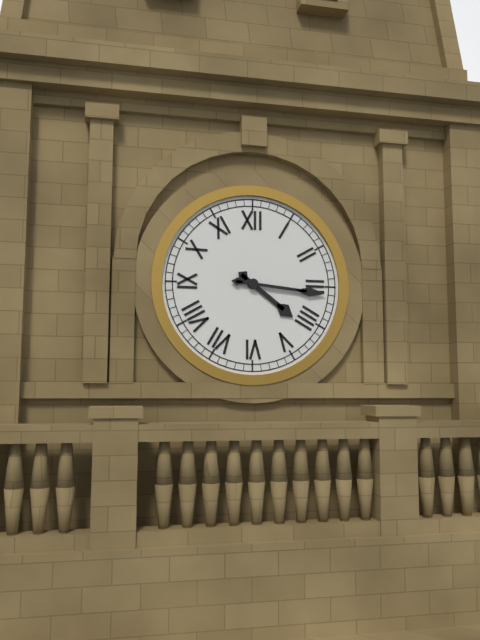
4 h 16 min
